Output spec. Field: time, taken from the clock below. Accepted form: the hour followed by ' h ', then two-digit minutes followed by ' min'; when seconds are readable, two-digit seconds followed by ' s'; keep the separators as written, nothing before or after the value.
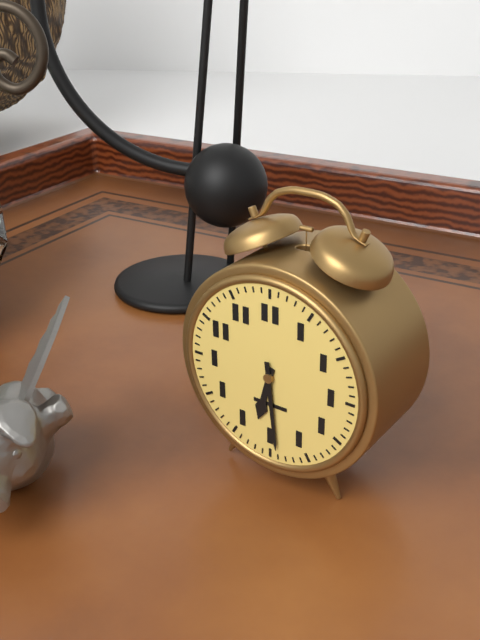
6 h 29 min
